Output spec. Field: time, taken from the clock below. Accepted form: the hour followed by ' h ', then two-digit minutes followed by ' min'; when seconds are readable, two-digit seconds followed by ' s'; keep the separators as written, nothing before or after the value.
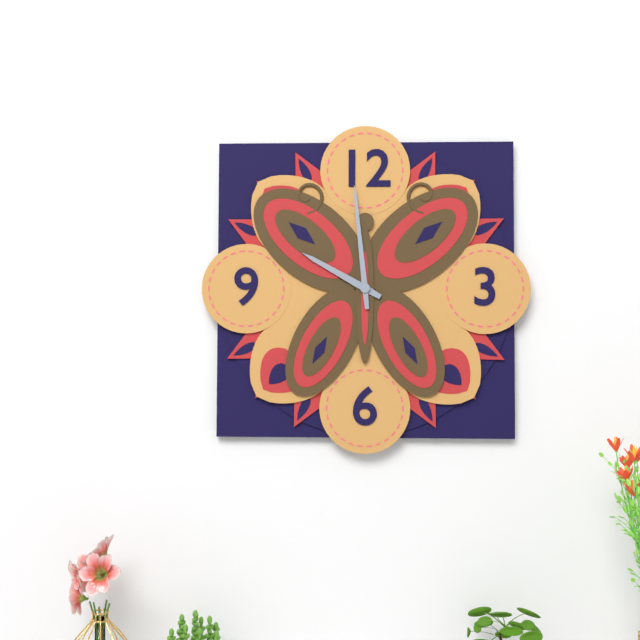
9 h 59 min
